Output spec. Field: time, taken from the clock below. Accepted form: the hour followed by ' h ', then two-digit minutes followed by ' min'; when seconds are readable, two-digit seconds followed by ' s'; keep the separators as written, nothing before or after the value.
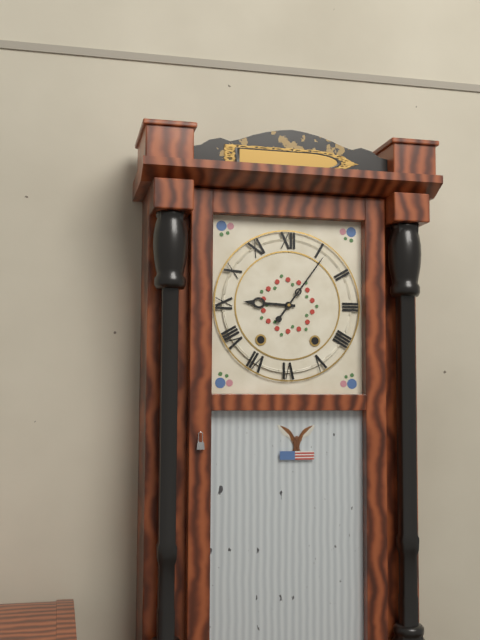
9 h 06 min
